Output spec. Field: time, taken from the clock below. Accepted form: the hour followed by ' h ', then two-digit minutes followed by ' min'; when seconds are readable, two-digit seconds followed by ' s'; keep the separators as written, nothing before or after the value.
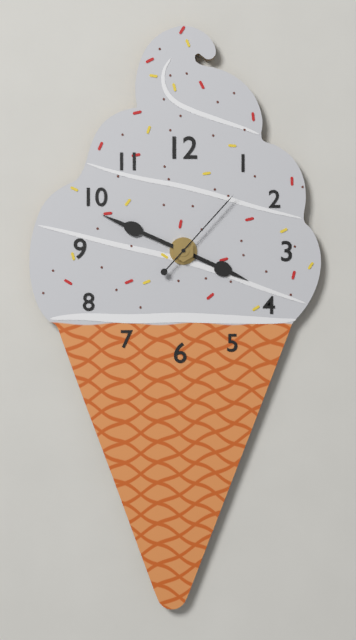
3 h 49 min 07 s
